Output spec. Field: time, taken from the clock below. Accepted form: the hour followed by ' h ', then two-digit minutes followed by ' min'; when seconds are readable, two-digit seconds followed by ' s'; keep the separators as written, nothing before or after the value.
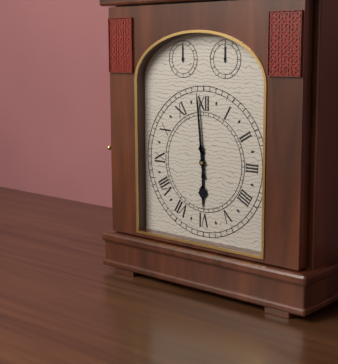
5 h 59 min
